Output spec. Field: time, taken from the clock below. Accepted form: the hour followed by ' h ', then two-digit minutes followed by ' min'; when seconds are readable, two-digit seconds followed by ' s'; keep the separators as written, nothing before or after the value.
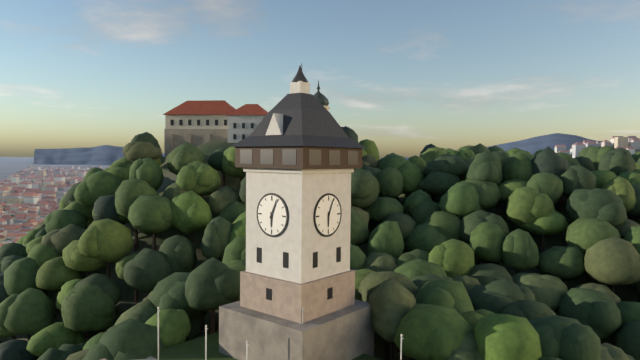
6 h 04 min
